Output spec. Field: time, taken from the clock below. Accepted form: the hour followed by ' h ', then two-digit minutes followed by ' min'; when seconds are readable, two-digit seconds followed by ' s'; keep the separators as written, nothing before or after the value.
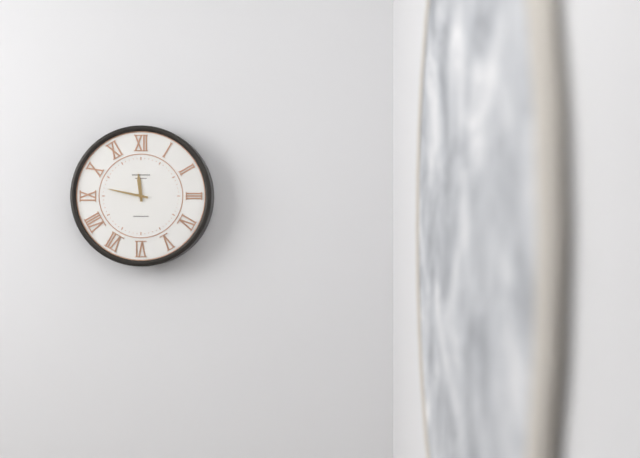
11 h 47 min
